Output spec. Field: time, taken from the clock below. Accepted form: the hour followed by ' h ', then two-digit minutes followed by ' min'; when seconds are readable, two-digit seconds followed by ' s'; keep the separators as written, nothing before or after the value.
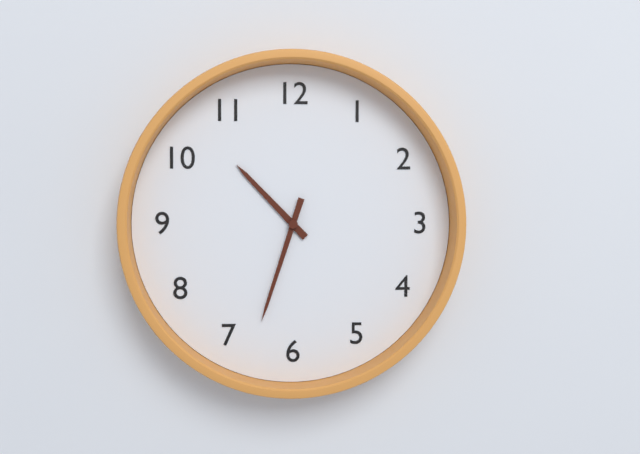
10 h 33 min
